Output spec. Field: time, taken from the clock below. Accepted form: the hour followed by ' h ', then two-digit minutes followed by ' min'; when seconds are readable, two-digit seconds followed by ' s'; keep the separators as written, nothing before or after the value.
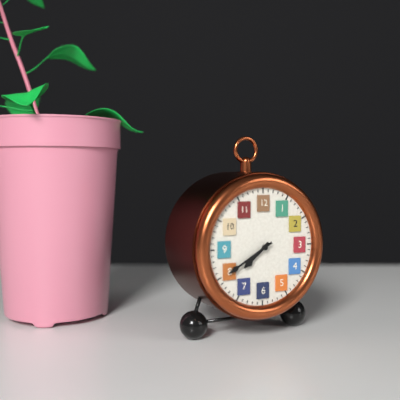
7 h 40 min
